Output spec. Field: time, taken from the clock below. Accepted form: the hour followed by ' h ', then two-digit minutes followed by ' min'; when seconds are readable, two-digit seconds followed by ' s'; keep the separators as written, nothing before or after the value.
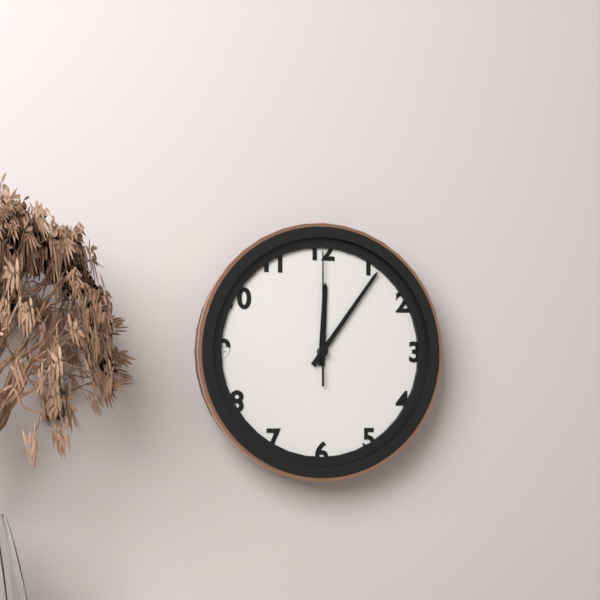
12 h 06 min 00 s
